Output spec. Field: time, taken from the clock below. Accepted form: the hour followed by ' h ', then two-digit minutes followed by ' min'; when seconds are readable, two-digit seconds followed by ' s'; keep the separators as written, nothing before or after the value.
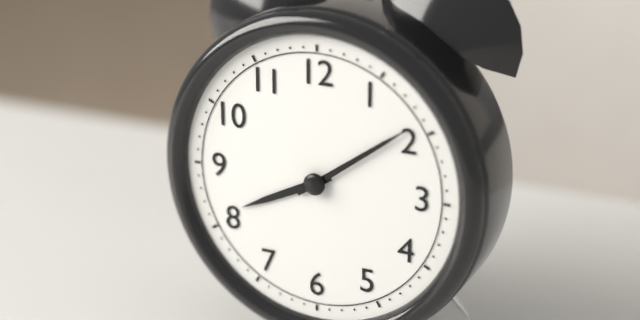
8 h 09 min
